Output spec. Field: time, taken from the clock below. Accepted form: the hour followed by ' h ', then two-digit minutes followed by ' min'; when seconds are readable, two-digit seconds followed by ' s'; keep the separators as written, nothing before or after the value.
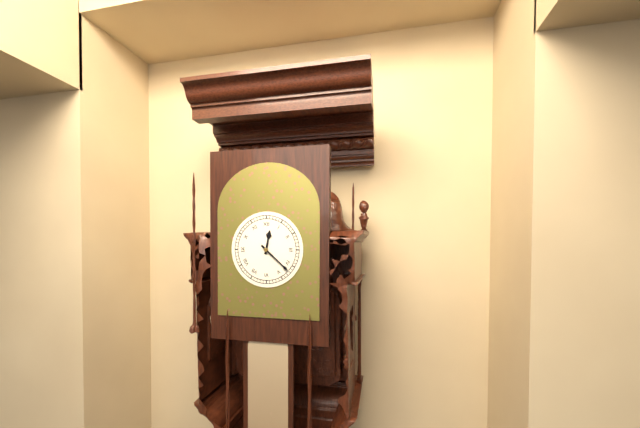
12 h 22 min
